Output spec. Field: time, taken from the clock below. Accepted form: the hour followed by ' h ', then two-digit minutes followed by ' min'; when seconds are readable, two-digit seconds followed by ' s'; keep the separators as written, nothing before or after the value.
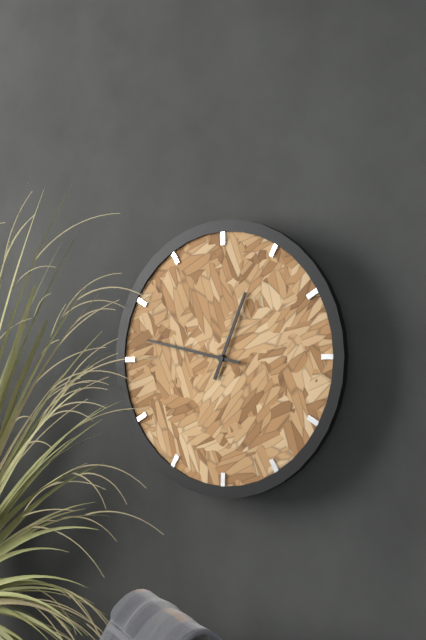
12 h 47 min
